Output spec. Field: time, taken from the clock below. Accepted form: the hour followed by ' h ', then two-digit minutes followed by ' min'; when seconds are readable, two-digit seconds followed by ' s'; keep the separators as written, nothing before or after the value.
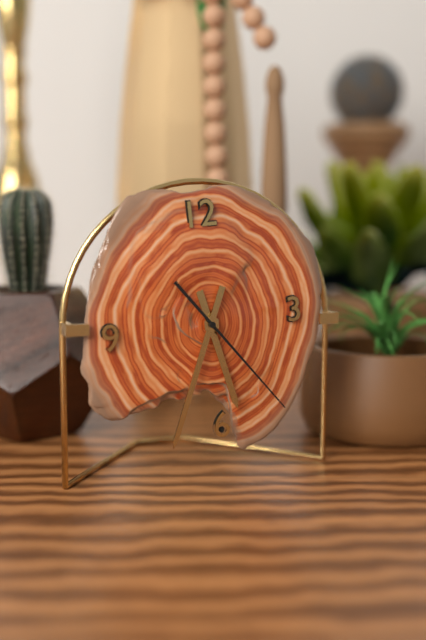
5 h 34 min 24 s
